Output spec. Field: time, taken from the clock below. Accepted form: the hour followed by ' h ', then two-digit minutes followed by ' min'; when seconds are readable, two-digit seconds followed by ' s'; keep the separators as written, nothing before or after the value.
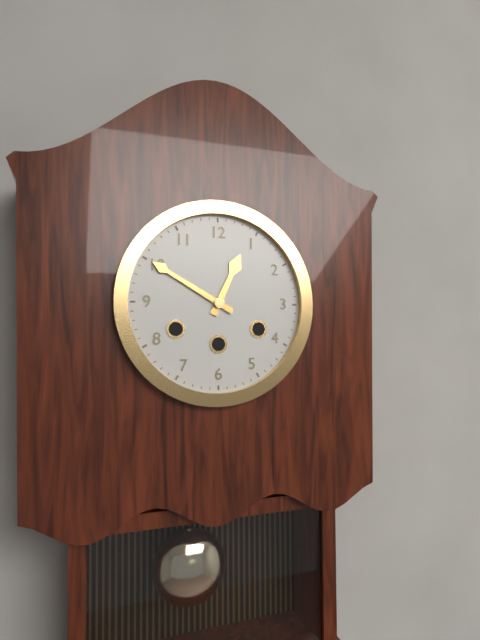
12 h 50 min
